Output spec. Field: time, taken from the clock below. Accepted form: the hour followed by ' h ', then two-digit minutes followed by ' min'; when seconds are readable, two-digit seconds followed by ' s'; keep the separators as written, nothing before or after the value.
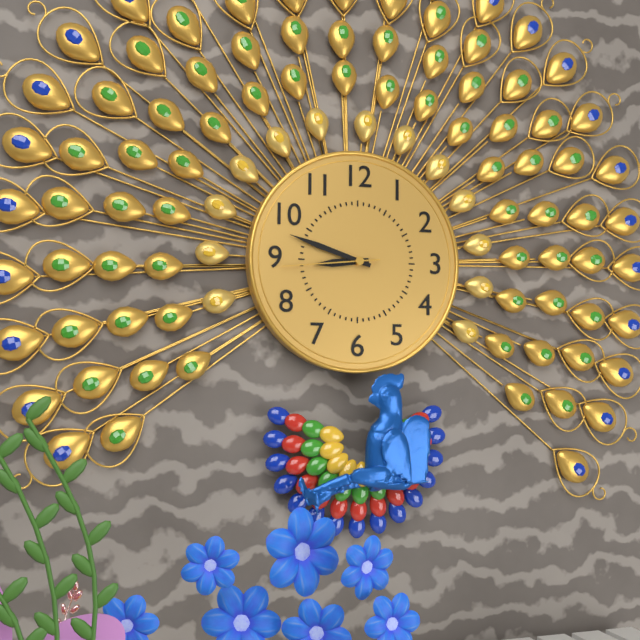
8 h 48 min 44 s
